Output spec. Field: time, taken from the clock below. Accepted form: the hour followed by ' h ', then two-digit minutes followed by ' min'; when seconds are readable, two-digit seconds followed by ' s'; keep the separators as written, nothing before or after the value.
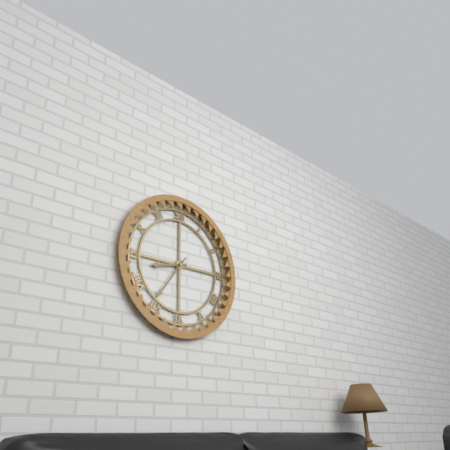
8 h 36 min
